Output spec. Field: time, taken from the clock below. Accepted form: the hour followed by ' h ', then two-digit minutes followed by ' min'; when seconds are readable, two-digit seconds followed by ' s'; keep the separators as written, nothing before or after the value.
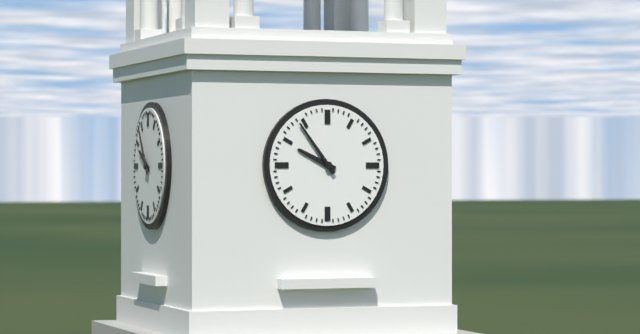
9 h 54 min
